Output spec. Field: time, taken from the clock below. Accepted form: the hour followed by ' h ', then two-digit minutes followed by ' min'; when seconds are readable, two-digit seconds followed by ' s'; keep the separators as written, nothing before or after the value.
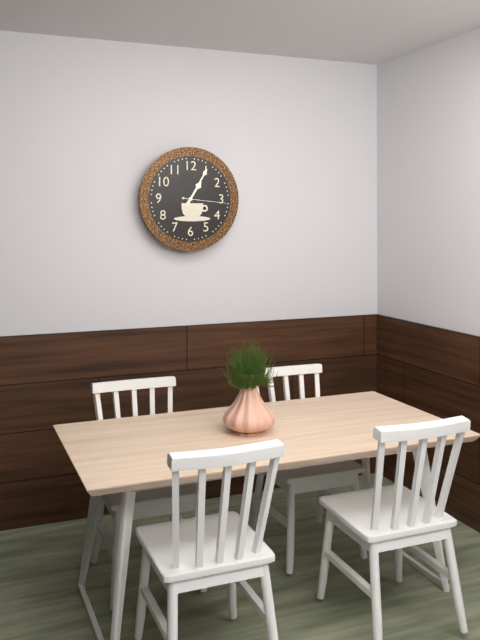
1 h 05 min
